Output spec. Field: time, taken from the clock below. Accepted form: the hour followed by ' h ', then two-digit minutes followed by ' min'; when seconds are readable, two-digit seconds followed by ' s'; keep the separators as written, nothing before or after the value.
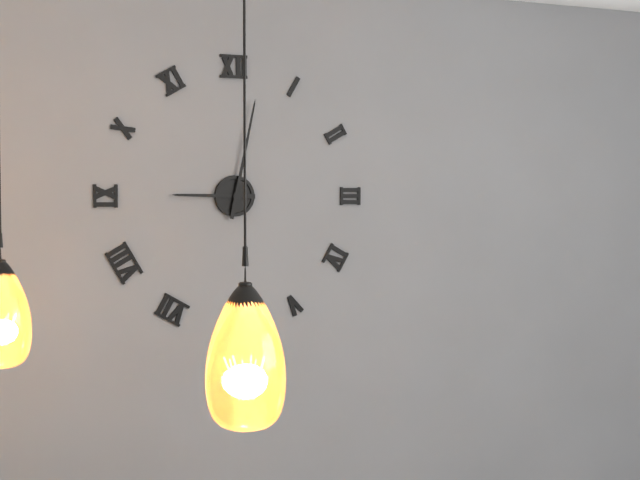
9 h 02 min
